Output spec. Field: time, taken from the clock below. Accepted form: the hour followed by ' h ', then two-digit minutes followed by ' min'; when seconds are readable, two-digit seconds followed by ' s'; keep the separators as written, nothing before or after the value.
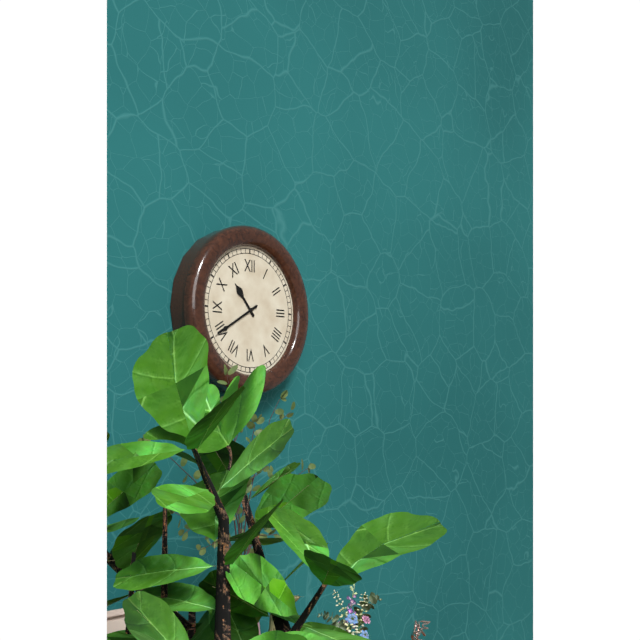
10 h 40 min
